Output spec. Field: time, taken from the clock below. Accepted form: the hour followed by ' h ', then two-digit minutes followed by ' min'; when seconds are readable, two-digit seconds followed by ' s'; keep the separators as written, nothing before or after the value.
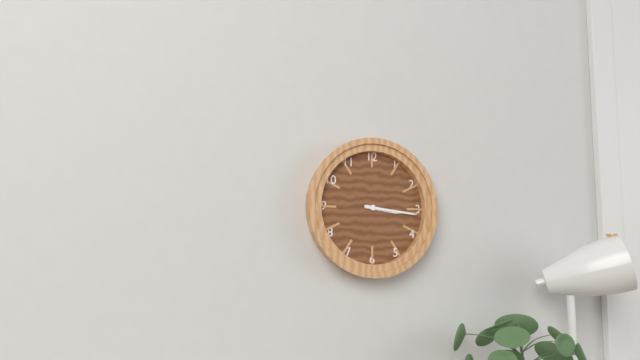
3 h 16 min
